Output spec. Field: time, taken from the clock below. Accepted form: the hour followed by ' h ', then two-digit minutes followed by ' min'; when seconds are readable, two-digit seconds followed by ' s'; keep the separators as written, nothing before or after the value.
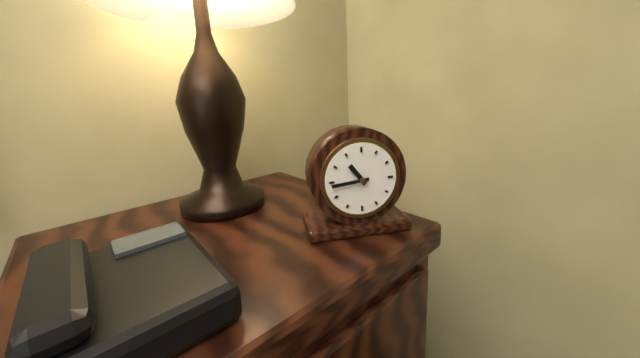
10 h 44 min
